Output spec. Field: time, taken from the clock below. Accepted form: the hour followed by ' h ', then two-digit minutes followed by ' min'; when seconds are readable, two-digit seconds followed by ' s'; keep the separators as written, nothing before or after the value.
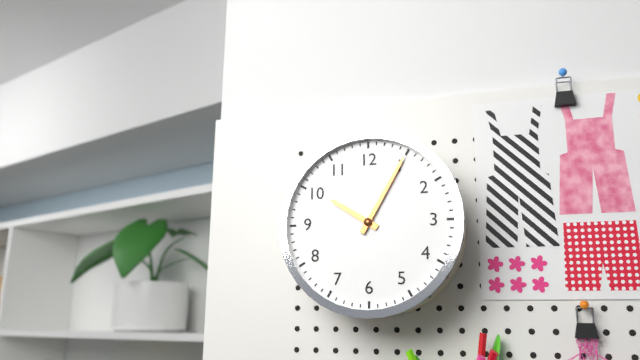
10 h 05 min
